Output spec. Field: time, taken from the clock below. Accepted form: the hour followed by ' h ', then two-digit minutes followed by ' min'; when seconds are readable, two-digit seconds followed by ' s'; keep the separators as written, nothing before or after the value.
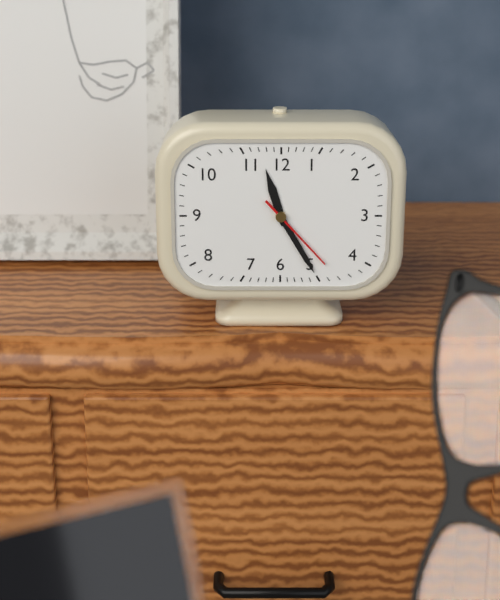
11 h 25 min 23 s
